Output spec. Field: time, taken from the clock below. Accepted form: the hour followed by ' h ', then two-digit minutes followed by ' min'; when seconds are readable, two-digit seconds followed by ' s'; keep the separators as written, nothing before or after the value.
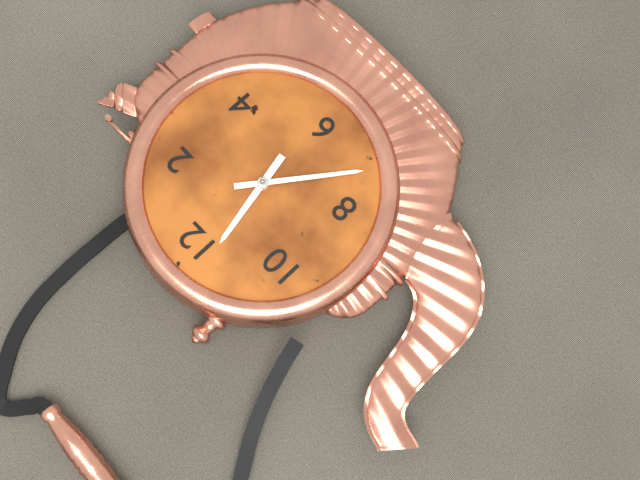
11 h 36 min
